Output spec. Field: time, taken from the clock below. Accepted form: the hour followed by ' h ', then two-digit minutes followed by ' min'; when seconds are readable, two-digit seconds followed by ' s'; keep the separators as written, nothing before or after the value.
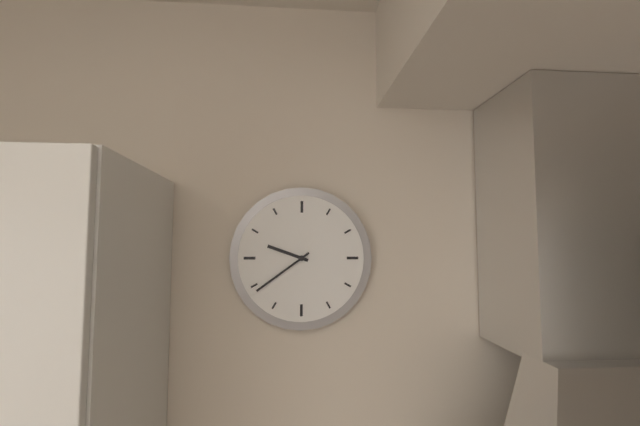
9 h 39 min
